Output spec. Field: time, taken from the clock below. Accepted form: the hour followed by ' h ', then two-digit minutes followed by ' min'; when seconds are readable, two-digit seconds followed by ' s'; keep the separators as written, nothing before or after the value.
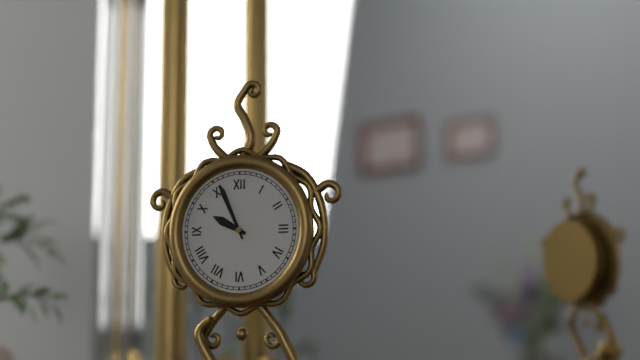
9 h 56 min
